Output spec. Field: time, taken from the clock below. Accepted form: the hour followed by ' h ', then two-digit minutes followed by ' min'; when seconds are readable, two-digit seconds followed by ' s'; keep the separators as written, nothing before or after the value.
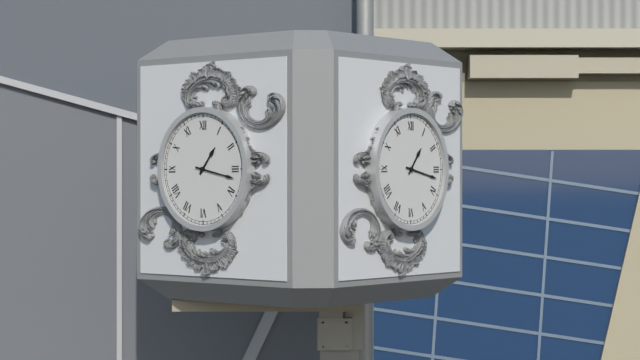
1 h 17 min
